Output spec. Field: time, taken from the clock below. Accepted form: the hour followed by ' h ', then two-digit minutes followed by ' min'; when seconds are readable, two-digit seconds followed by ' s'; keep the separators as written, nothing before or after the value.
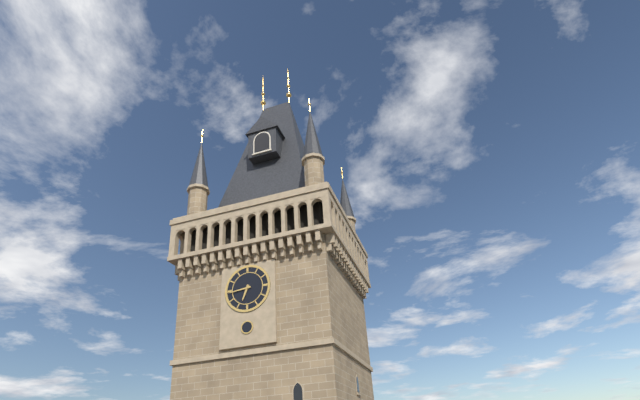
6 h 44 min
